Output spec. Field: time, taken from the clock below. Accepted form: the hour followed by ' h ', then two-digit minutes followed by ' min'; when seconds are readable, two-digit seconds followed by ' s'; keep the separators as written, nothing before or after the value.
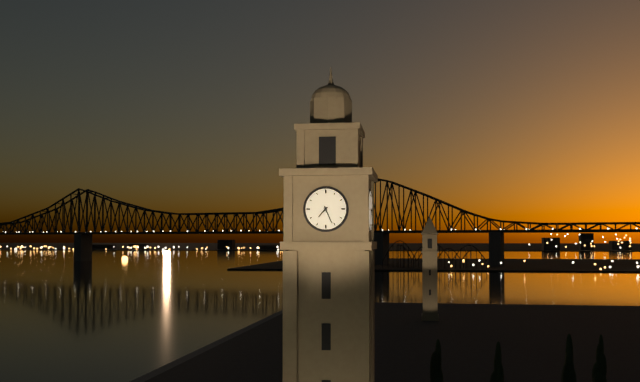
7 h 26 min
